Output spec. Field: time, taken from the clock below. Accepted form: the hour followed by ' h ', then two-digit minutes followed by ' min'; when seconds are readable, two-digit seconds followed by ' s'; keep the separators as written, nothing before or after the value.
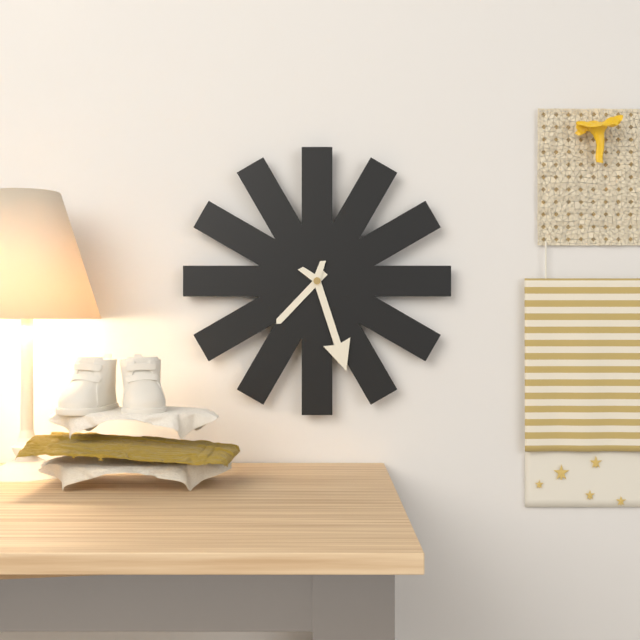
7 h 27 min
